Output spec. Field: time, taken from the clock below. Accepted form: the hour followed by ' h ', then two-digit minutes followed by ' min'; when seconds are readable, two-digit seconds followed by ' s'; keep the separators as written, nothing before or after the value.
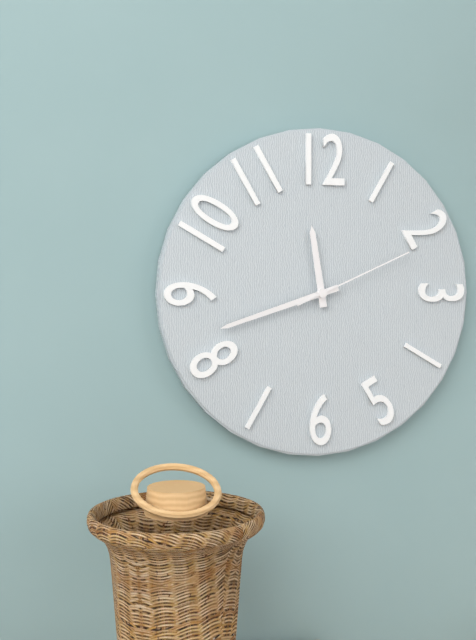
11 h 42 min 11 s
